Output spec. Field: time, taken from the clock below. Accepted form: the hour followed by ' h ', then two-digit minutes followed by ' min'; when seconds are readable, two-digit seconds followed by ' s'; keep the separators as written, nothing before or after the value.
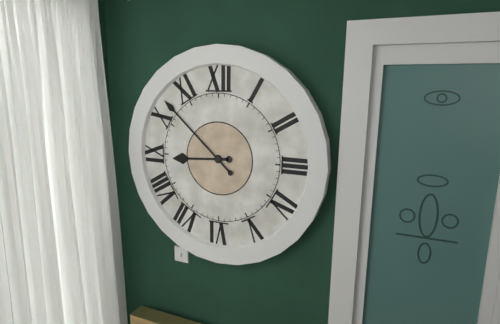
8 h 52 min
